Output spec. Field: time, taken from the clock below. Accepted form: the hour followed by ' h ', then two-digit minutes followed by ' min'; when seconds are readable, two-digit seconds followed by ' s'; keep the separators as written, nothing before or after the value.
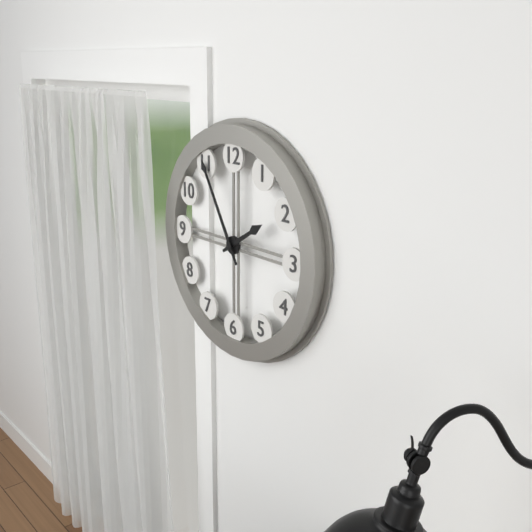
1 h 55 min
